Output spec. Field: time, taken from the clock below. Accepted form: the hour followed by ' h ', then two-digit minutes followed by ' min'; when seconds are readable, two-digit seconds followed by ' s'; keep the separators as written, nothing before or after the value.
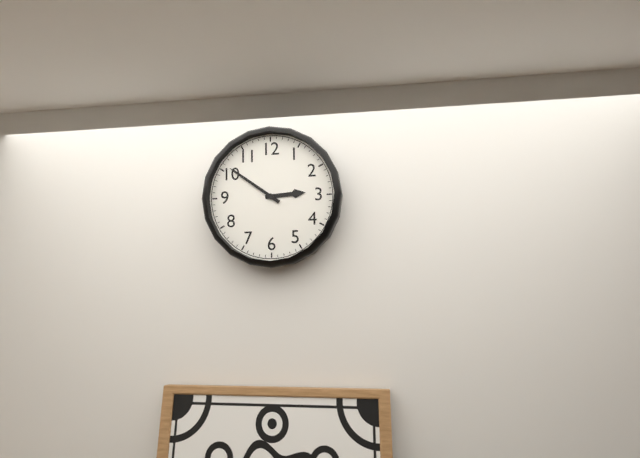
2 h 51 min
